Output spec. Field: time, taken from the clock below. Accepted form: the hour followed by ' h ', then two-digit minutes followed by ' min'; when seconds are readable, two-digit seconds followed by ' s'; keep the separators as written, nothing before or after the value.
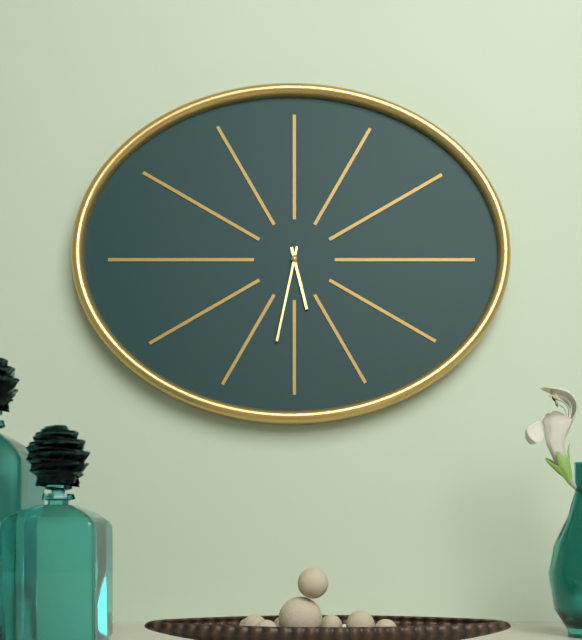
5 h 32 min
